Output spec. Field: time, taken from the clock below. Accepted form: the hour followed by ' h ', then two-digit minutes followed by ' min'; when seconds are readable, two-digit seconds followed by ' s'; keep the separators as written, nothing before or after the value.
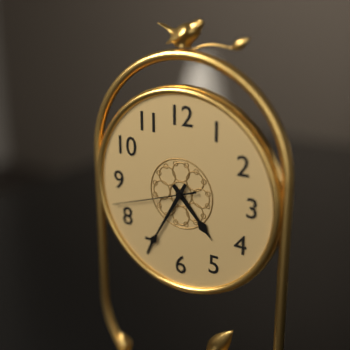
4 h 35 min 42 s
